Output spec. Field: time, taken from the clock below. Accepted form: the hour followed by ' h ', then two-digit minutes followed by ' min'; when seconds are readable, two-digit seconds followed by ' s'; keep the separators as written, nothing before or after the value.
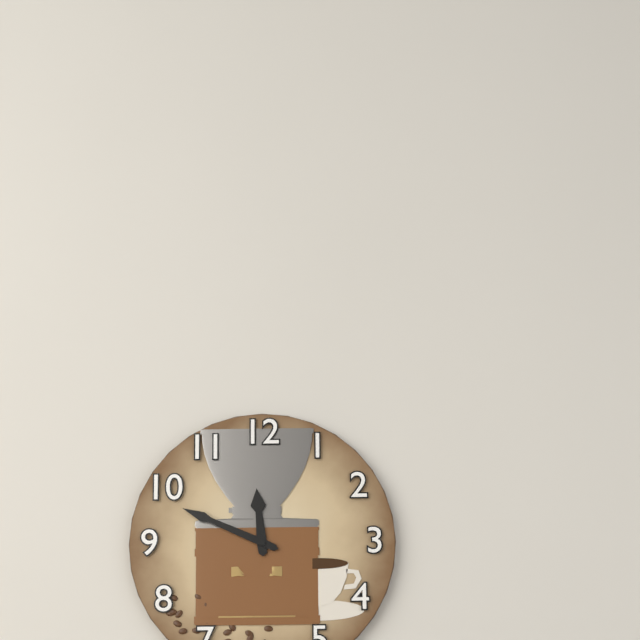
11 h 49 min
